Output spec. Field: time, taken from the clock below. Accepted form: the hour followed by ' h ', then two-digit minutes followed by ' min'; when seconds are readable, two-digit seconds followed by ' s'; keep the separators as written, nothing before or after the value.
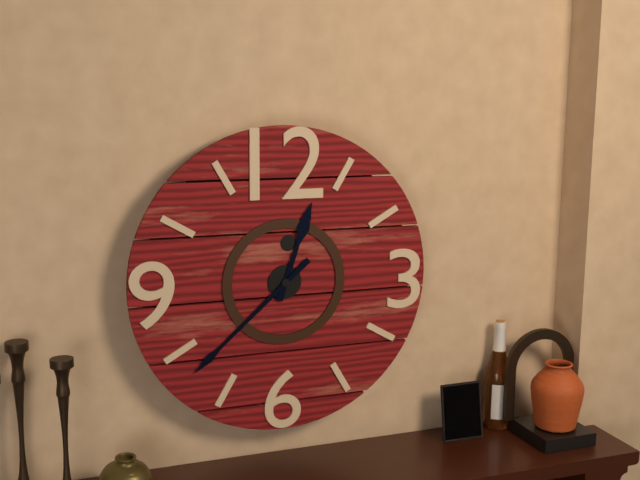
12 h 38 min
